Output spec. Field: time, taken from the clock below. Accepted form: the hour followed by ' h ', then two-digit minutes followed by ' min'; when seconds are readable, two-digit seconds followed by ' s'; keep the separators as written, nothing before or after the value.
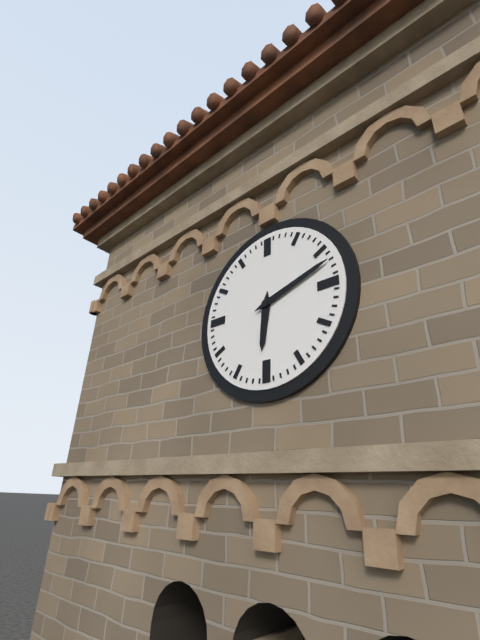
6 h 12 min
